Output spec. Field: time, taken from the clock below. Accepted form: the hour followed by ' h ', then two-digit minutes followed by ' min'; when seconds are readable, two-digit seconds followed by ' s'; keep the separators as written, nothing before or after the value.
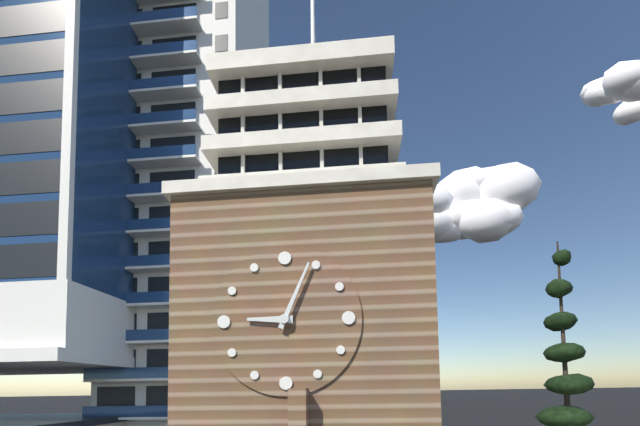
9 h 04 min
